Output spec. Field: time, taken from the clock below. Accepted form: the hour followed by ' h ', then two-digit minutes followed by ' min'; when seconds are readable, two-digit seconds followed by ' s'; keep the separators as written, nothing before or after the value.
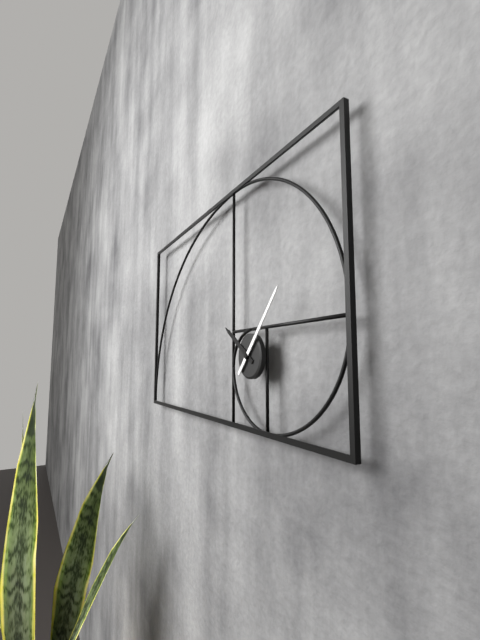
10 h 07 min
